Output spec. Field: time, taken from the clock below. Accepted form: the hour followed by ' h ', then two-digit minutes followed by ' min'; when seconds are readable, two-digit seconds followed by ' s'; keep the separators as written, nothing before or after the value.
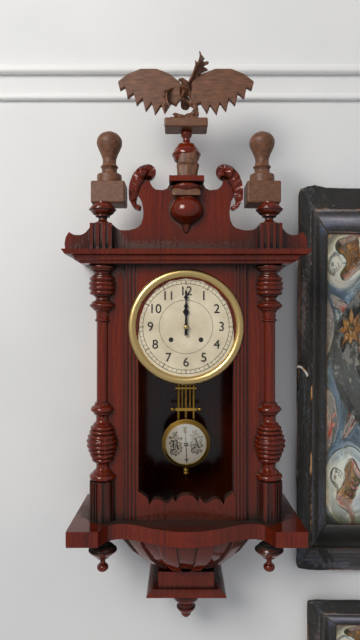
12 h 00 min
